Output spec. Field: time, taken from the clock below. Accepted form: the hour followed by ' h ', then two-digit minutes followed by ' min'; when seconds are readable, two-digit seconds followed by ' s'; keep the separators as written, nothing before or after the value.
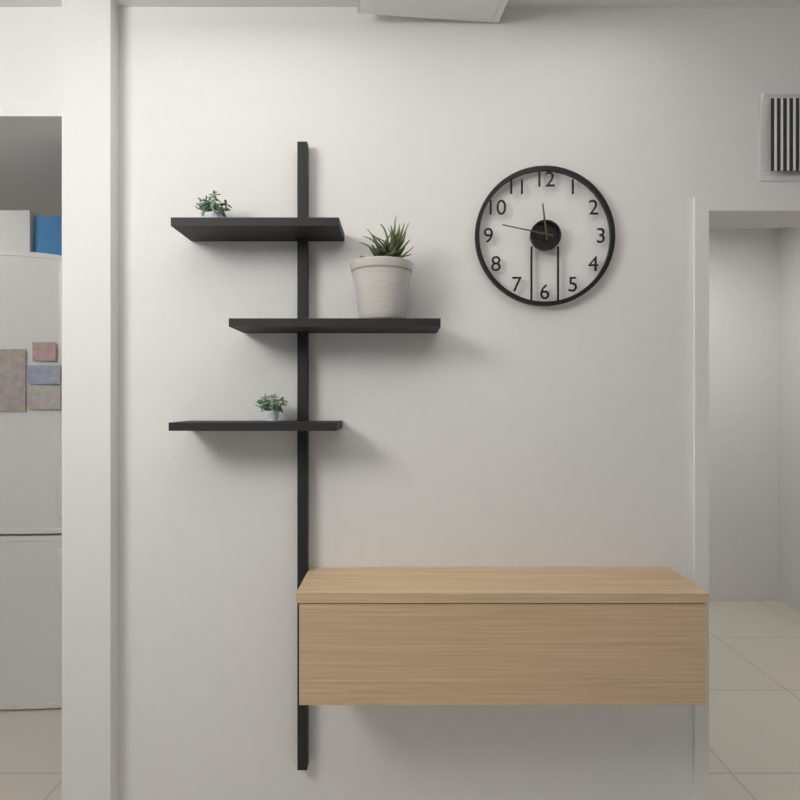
11 h 47 min
